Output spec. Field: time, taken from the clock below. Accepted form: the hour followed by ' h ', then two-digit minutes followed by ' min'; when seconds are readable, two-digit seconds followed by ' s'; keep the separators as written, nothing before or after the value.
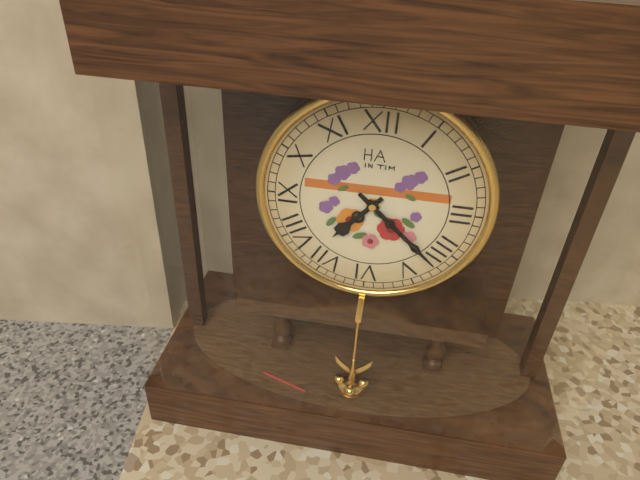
7 h 22 min
